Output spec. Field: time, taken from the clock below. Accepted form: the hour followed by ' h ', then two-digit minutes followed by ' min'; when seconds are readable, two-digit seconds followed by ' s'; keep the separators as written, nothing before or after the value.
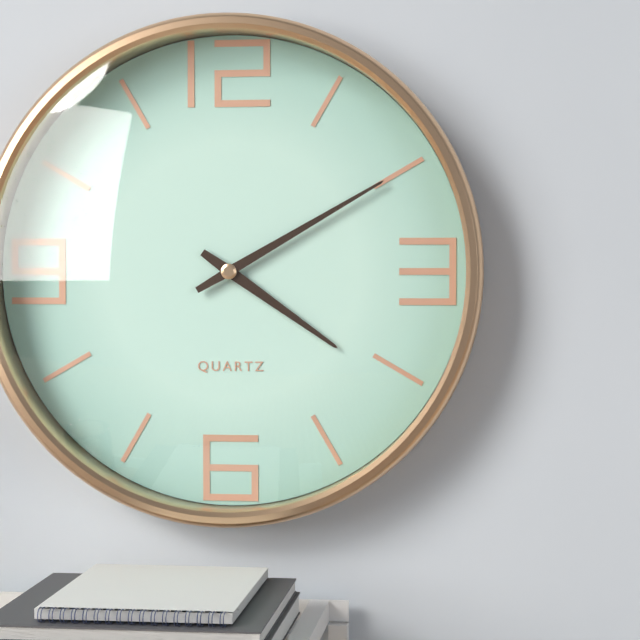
4 h 10 min
